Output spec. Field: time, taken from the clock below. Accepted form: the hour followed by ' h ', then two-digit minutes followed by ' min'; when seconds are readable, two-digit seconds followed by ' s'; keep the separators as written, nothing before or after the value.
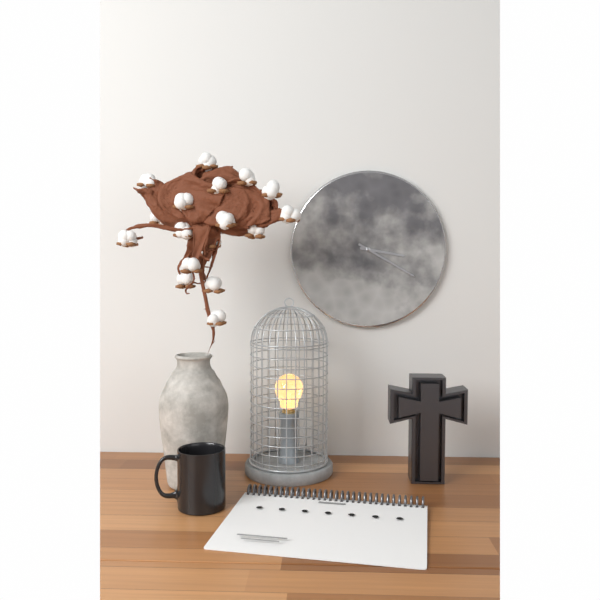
3 h 20 min
